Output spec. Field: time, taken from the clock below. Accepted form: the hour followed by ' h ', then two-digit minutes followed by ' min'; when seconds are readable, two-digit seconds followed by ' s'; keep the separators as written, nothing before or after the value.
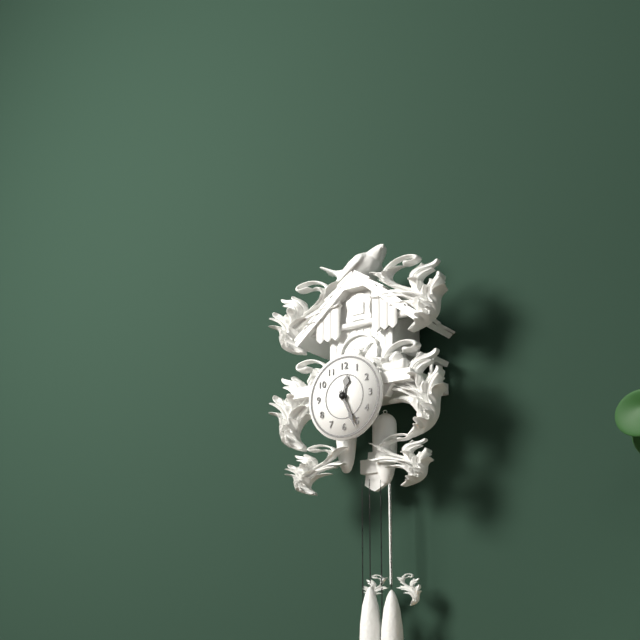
12 h 26 min
